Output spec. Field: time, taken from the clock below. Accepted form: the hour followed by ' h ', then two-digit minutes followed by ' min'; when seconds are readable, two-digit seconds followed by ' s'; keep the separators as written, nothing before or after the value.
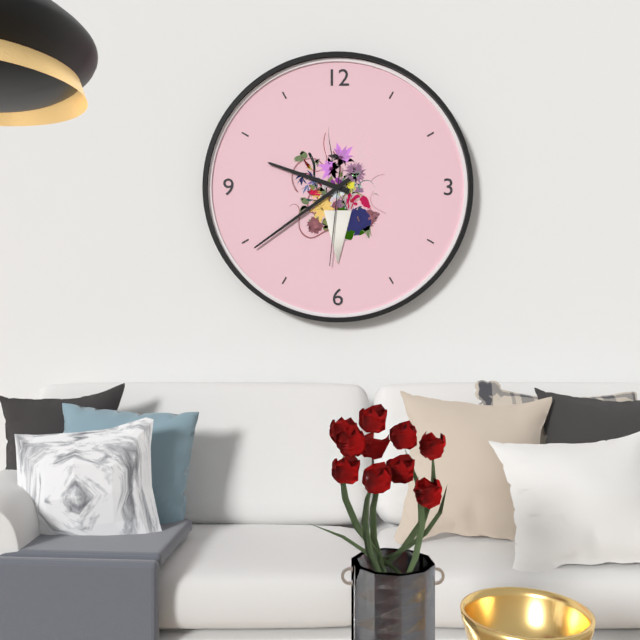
9 h 39 min 31 s
